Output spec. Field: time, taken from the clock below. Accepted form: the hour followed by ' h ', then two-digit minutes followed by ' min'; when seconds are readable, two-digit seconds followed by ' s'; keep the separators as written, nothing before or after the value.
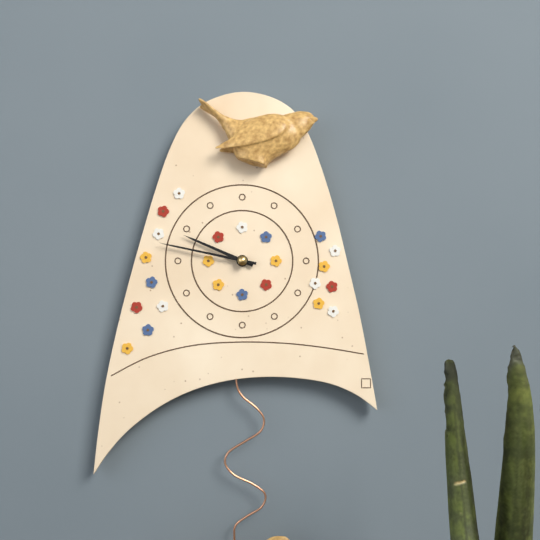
9 h 47 min
